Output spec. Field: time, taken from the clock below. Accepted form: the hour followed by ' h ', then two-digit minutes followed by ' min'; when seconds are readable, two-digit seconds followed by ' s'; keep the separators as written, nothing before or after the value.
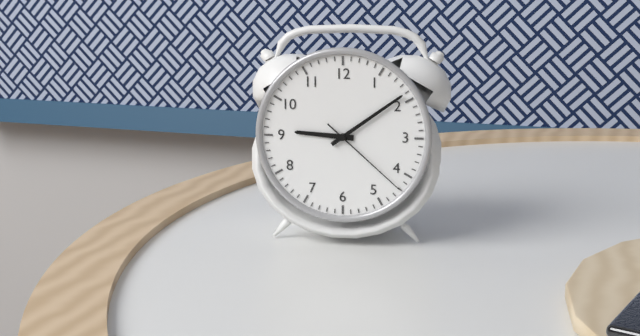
9 h 09 min 22 s
